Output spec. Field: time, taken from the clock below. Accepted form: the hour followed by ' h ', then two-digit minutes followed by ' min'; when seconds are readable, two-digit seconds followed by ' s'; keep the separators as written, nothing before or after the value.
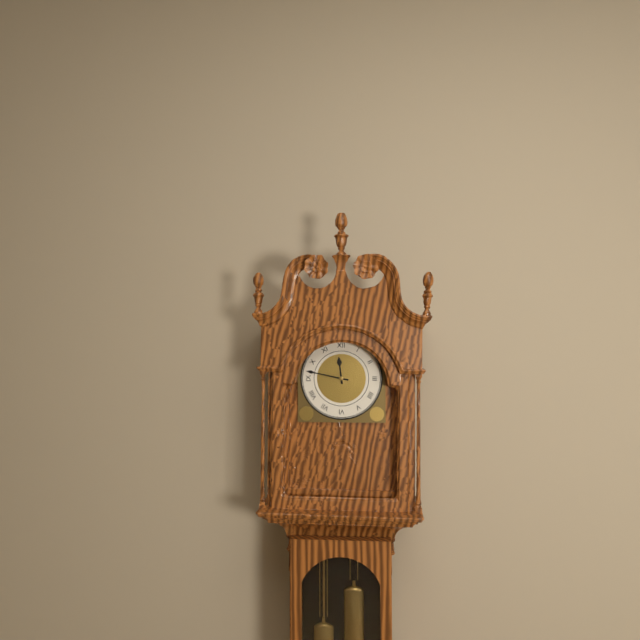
11 h 47 min
